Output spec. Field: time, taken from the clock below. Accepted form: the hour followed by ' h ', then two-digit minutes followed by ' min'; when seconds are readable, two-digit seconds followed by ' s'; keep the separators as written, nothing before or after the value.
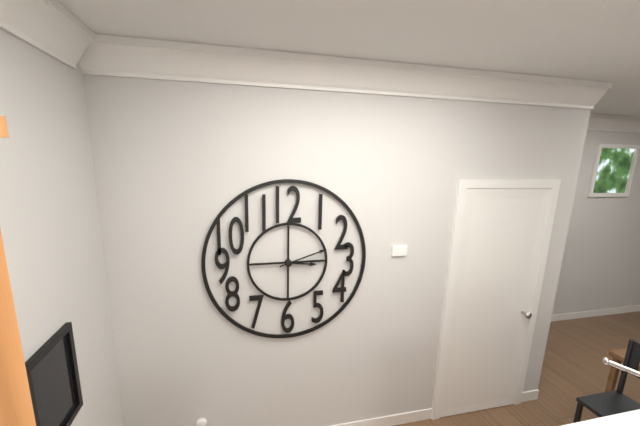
3 h 12 min
